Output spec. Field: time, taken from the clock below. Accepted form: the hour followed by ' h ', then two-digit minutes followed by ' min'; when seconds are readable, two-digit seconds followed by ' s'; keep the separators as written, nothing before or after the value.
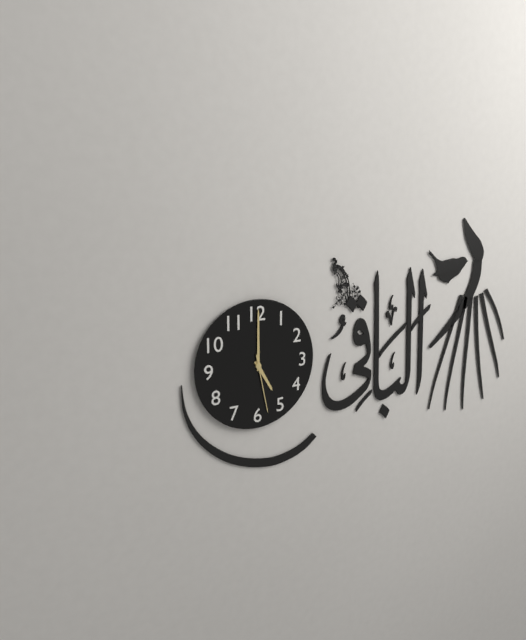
5 h 00 min 28 s
